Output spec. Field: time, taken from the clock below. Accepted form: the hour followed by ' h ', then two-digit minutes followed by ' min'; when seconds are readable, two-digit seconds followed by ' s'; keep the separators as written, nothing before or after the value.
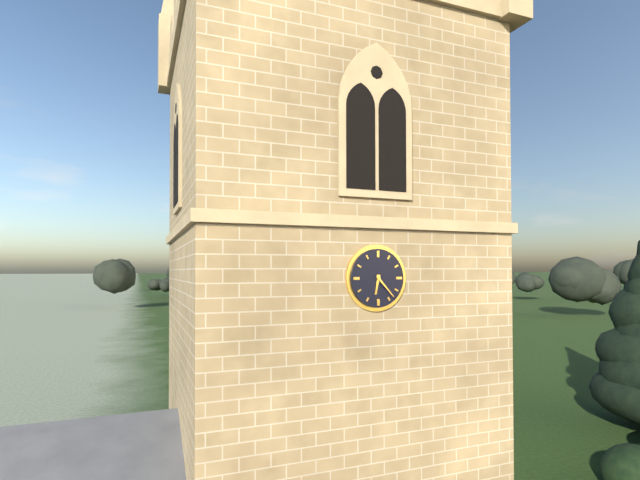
6 h 23 min
